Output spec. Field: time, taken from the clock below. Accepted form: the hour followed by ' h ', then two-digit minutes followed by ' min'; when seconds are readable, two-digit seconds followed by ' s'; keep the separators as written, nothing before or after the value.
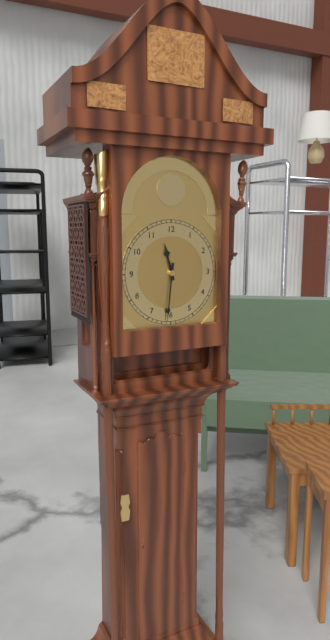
11 h 31 min
